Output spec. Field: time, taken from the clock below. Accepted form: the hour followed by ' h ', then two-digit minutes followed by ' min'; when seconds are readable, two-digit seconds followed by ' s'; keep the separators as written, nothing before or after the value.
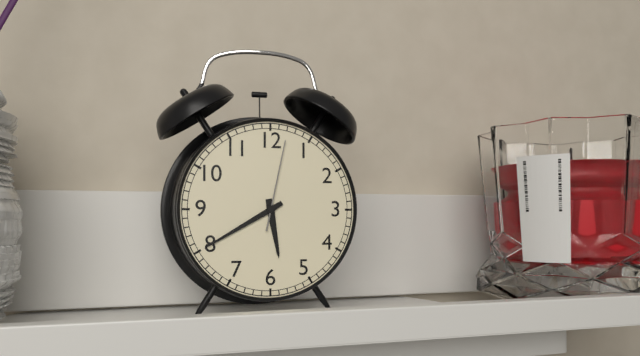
5 h 40 min 02 s
